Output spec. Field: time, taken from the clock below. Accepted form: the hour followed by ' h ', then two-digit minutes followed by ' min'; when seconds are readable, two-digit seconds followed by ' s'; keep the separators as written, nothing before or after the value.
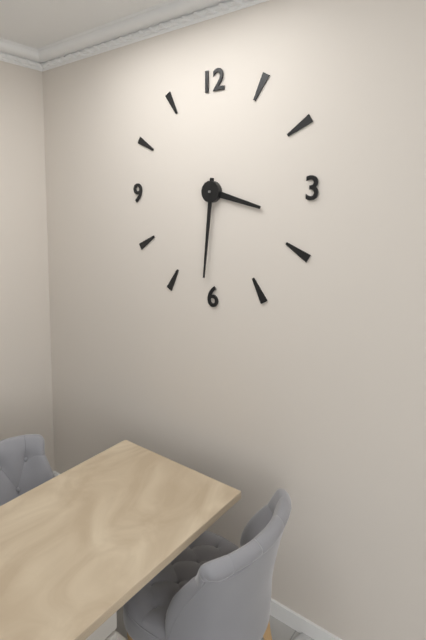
3 h 31 min
